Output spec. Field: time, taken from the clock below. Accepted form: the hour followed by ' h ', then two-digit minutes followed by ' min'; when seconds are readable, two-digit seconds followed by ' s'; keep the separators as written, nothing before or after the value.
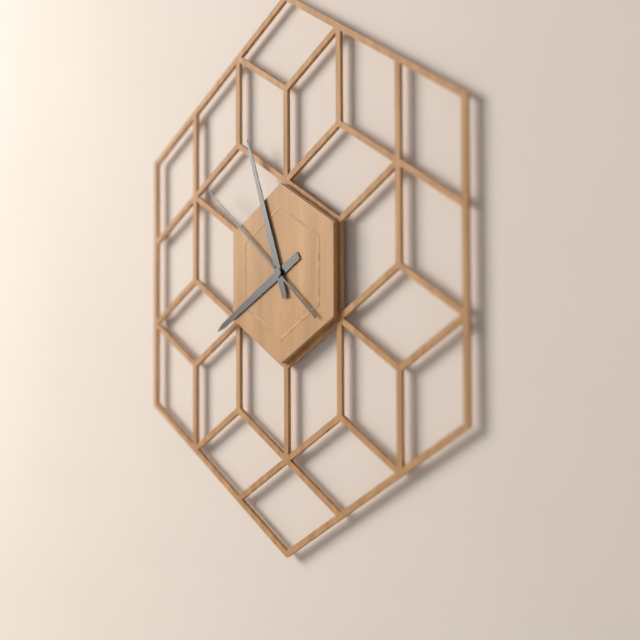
7 h 57 min 52 s
